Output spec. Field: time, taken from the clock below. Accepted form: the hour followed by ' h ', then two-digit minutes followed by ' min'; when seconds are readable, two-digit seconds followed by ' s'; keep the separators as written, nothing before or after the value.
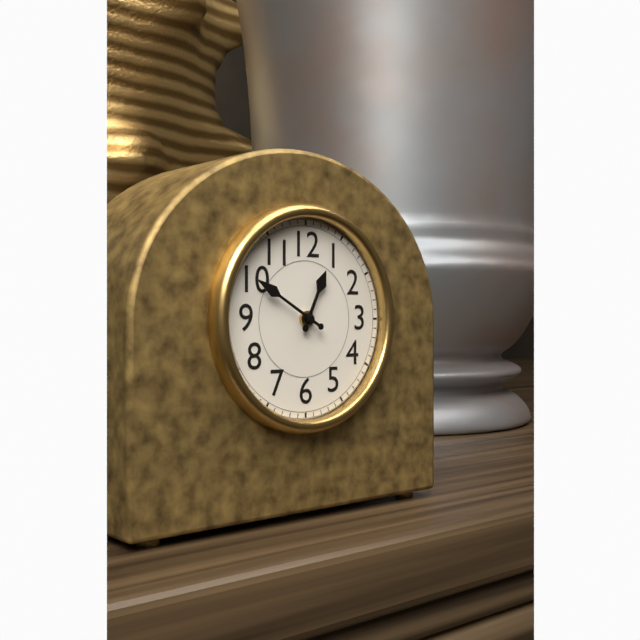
12 h 50 min
